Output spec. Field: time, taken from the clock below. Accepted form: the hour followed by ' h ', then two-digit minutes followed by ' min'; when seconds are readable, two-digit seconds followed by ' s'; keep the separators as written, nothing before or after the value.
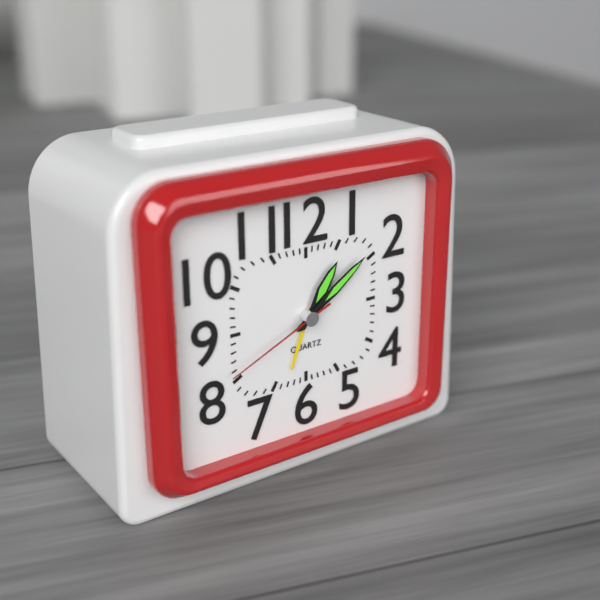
1 h 09 min 41 s
